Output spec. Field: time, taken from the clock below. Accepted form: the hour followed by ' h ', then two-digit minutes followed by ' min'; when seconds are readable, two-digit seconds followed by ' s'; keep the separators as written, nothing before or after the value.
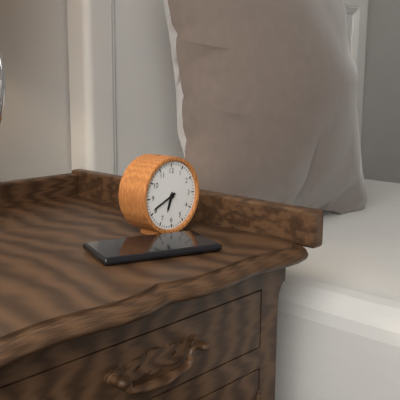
6 h 41 min
